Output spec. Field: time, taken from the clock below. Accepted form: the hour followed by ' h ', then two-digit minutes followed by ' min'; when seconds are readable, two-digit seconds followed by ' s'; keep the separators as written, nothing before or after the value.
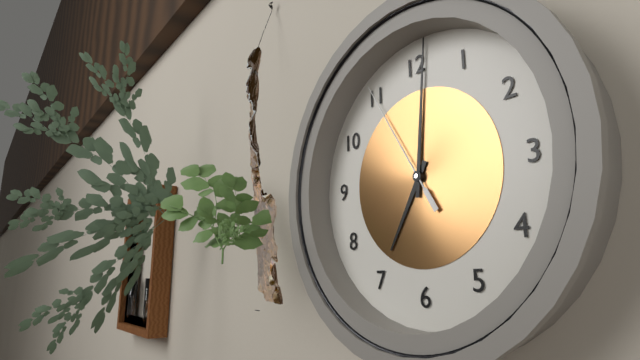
7 h 01 min 55 s
